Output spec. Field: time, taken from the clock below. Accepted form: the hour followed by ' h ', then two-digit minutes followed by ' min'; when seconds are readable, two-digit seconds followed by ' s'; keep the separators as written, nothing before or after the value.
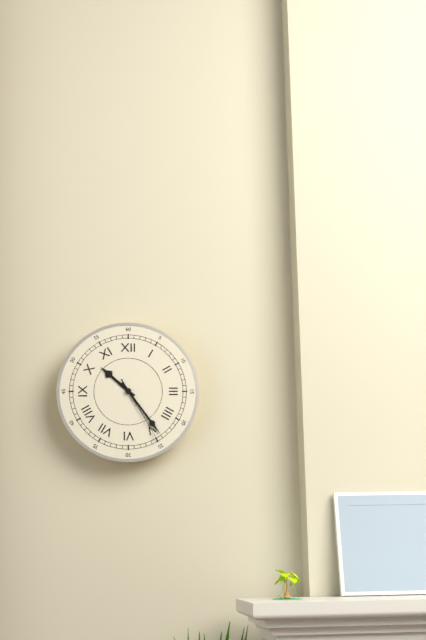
10 h 24 min 25 s
